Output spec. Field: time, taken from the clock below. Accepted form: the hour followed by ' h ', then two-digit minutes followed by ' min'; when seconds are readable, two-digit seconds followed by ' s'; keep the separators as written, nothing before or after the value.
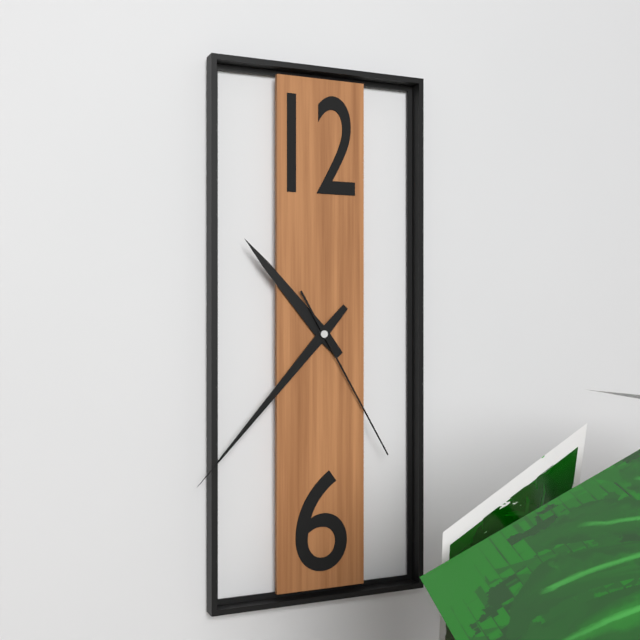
10 h 37 min 25 s
